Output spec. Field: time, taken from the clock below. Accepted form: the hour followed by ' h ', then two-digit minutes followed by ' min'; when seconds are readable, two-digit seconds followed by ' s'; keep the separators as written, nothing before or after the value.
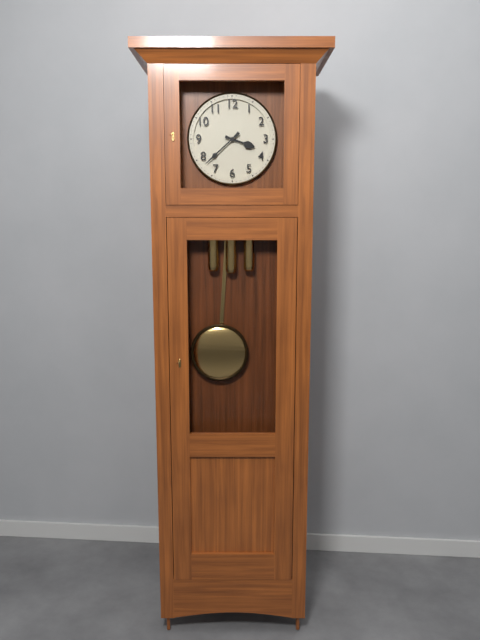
3 h 38 min
